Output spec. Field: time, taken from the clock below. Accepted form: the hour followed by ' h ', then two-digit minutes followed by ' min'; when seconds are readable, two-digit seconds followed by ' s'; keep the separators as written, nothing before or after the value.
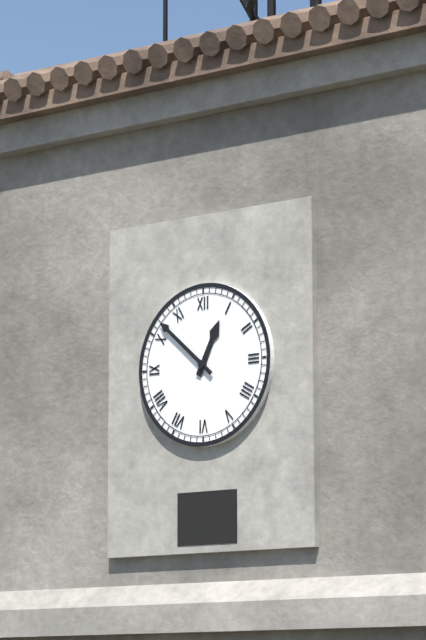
12 h 52 min
